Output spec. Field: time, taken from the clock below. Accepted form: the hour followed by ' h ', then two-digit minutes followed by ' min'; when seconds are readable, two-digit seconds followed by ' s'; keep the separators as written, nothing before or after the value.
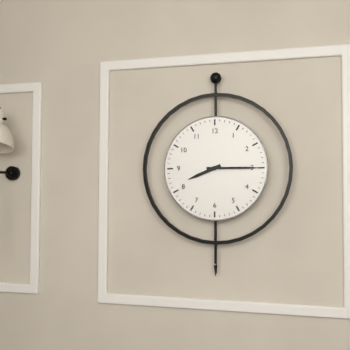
8 h 15 min
